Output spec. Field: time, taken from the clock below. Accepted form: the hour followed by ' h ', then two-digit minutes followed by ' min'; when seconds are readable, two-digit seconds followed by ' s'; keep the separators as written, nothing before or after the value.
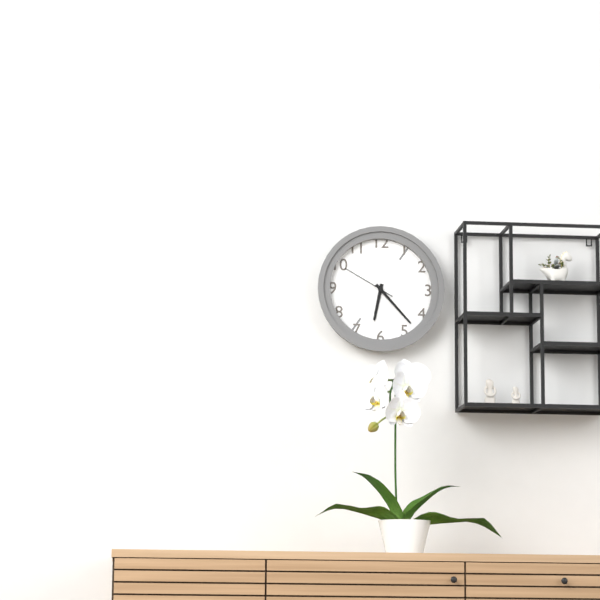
6 h 23 min 50 s
